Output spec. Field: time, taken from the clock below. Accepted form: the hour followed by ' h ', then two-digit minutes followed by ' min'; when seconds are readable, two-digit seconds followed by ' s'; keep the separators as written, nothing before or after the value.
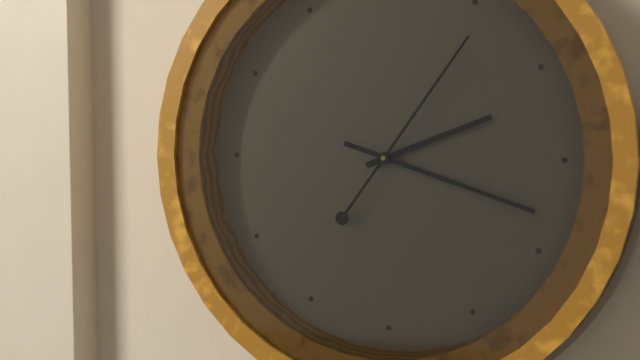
2 h 18 min 06 s
